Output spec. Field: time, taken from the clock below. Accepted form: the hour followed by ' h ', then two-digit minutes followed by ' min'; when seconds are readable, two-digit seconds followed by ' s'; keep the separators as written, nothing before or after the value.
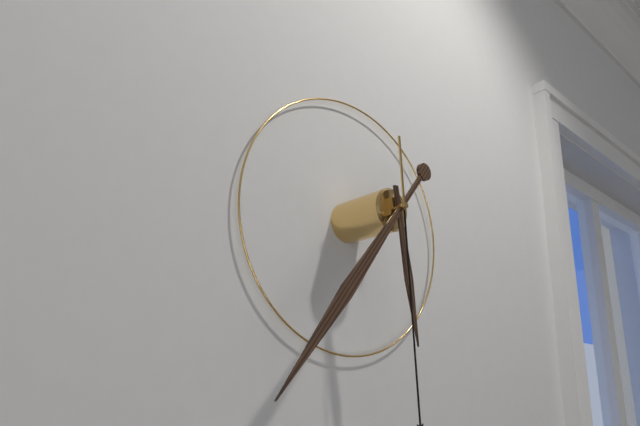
5 h 36 min
